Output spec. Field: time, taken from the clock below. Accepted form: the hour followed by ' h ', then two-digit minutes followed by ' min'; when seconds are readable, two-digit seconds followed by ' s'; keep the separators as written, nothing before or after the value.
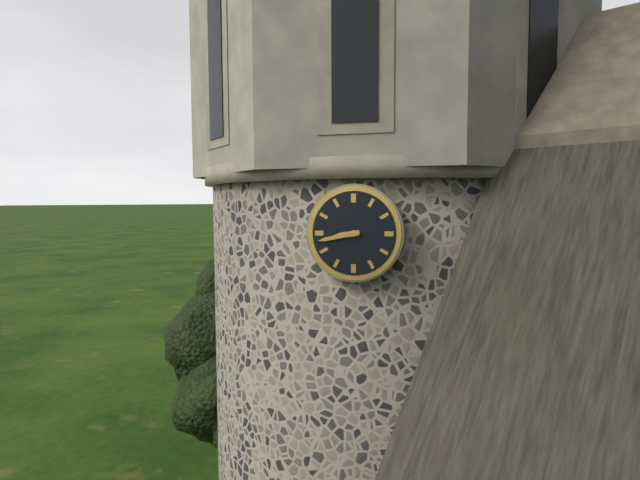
8 h 43 min
